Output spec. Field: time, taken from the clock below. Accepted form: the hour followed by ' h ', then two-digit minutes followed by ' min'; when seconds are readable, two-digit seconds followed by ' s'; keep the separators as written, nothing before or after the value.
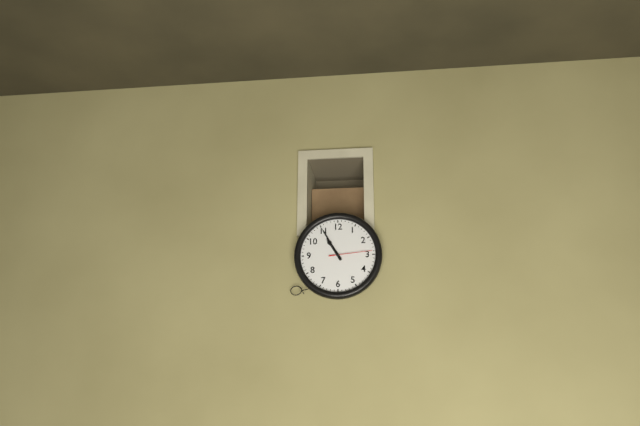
10 h 55 min
